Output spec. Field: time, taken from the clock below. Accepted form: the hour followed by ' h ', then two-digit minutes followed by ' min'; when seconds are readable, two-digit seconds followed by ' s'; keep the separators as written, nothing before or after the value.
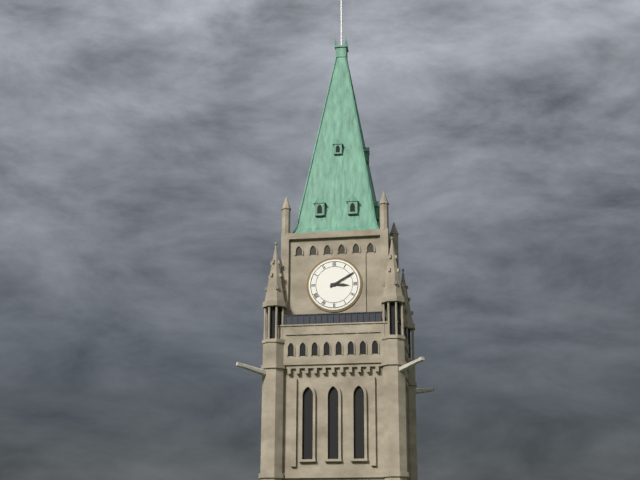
3 h 10 min
